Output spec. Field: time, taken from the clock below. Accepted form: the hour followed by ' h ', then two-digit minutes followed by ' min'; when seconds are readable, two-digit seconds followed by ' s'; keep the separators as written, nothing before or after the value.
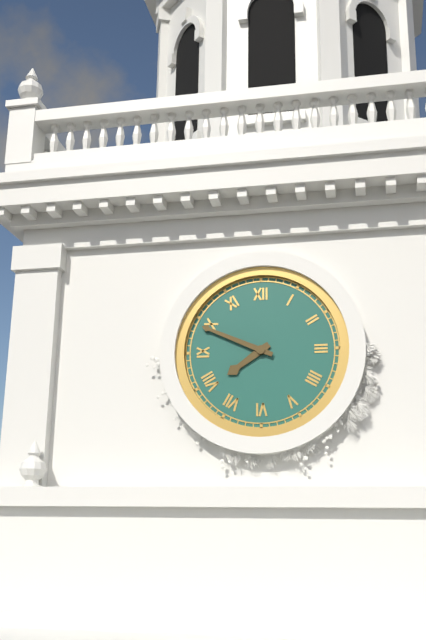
7 h 49 min
